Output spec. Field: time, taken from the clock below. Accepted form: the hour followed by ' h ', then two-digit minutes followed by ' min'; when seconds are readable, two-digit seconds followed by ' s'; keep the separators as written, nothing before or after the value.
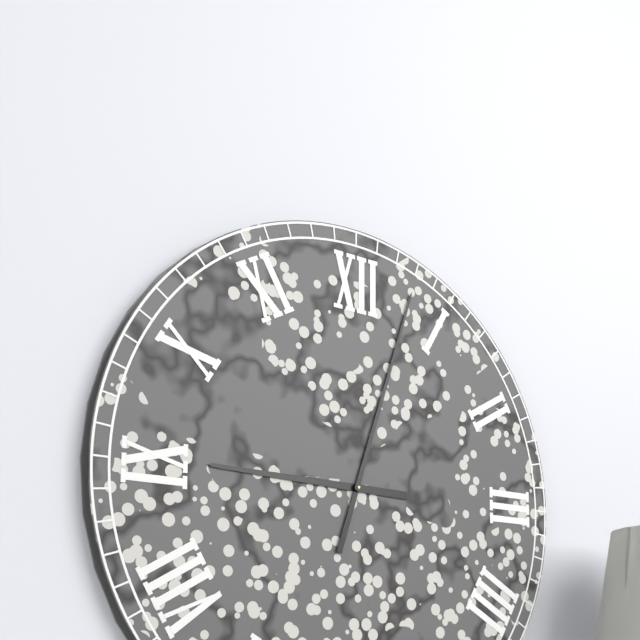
9 h 03 min
